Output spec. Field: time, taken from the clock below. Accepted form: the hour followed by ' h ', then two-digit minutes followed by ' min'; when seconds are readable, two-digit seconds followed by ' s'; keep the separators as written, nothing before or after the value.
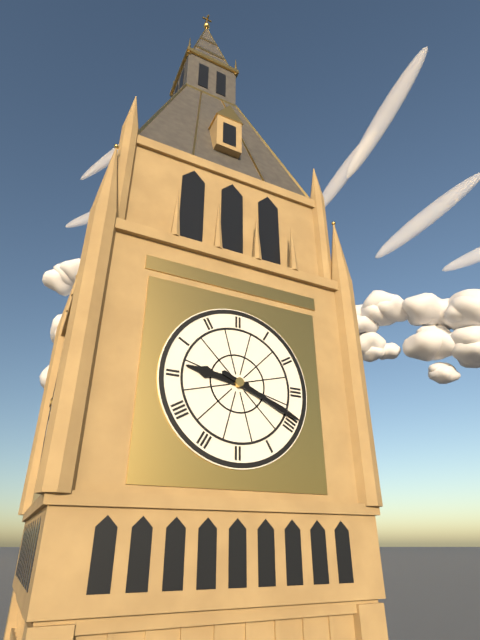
9 h 19 min
